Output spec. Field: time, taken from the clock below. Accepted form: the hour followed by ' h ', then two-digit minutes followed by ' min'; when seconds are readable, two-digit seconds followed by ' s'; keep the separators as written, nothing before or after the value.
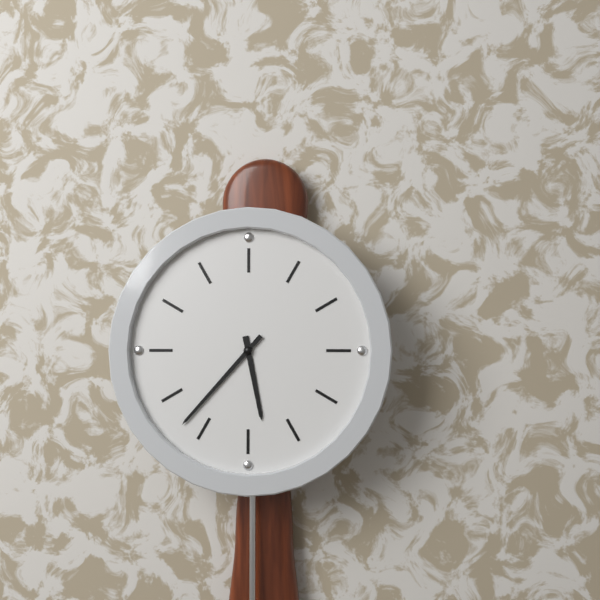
5 h 37 min
